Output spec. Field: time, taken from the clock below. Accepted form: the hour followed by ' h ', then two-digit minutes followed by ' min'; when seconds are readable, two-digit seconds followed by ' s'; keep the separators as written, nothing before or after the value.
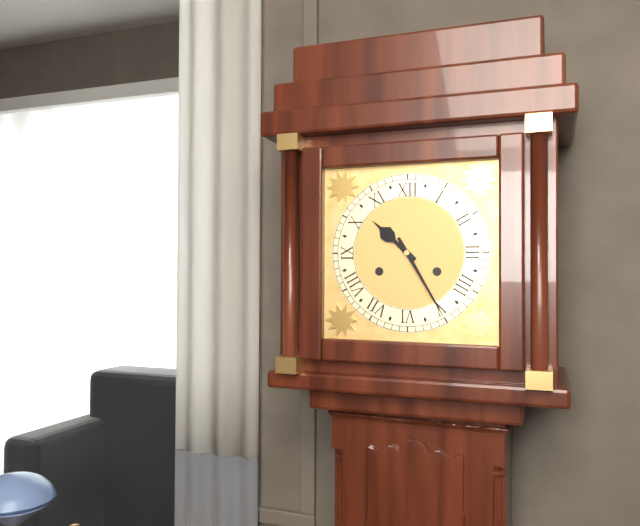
10 h 25 min
